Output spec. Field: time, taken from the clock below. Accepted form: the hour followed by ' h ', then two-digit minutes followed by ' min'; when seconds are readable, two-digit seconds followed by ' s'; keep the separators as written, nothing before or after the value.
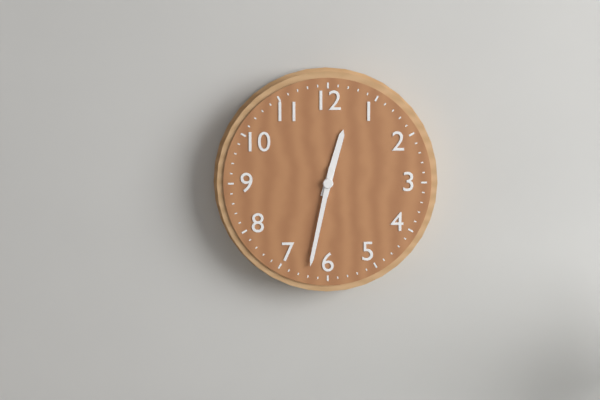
12 h 32 min
